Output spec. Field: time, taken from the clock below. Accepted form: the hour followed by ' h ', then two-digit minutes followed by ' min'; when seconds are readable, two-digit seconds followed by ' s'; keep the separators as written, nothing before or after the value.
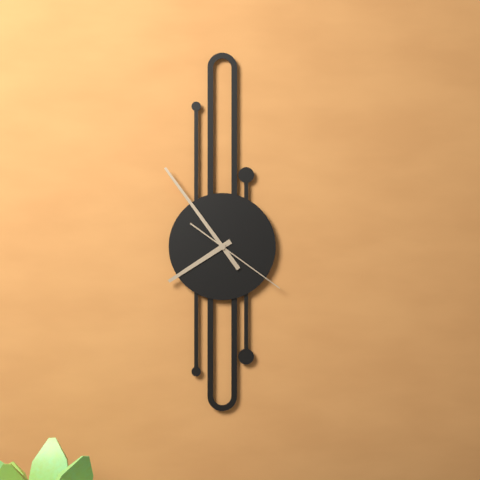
7 h 54 min 21 s
